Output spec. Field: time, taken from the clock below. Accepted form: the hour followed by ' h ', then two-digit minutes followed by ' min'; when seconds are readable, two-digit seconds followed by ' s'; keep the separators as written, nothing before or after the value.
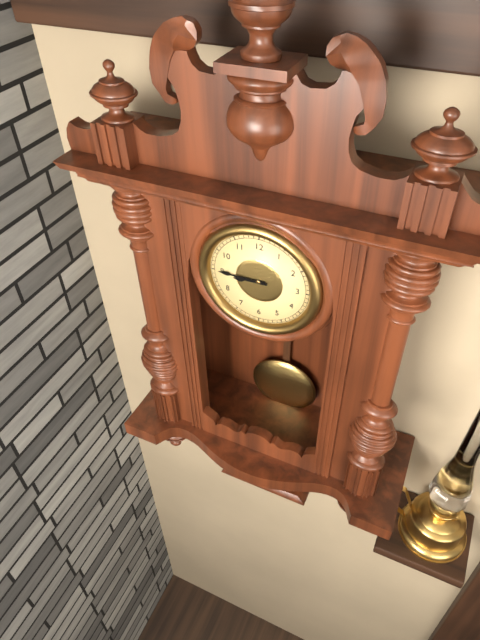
8 h 45 min
